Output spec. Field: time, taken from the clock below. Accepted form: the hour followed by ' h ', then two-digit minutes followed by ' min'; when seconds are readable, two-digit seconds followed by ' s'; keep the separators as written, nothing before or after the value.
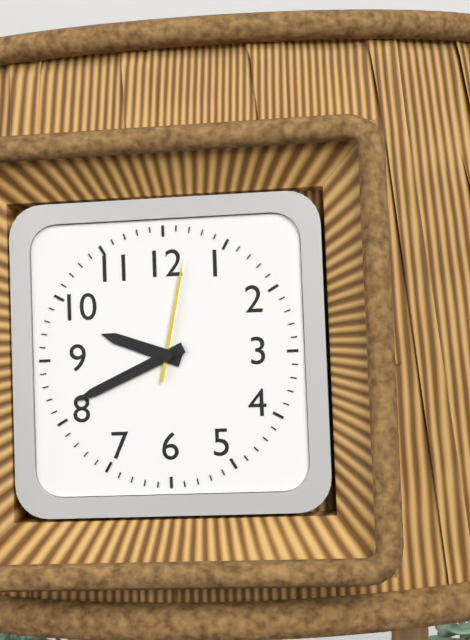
9 h 41 min 02 s
